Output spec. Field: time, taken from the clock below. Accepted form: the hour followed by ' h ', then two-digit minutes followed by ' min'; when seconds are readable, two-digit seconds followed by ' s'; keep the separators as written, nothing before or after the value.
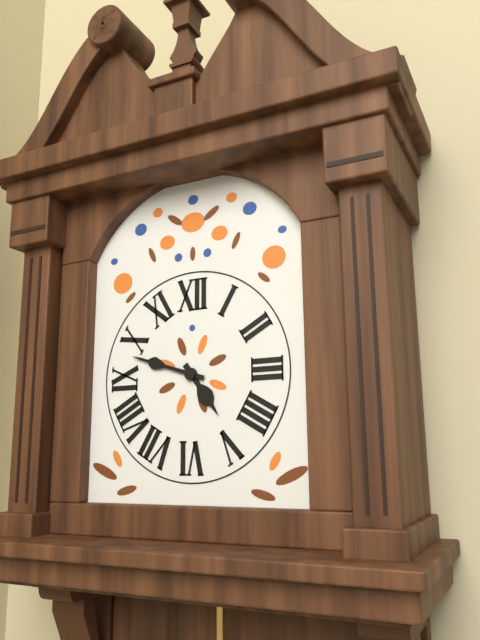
4 h 48 min
